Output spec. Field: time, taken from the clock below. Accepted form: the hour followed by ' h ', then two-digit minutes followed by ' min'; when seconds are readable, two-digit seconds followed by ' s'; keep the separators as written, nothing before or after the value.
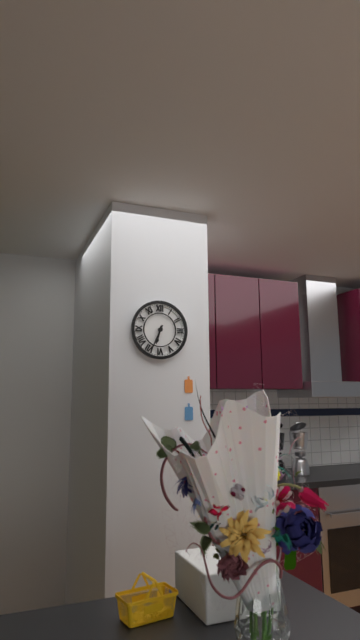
6 h 34 min
